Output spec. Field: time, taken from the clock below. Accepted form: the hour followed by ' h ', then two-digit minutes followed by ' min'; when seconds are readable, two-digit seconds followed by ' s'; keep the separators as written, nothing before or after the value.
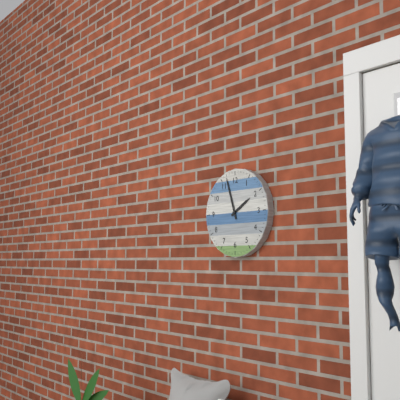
1 h 57 min
